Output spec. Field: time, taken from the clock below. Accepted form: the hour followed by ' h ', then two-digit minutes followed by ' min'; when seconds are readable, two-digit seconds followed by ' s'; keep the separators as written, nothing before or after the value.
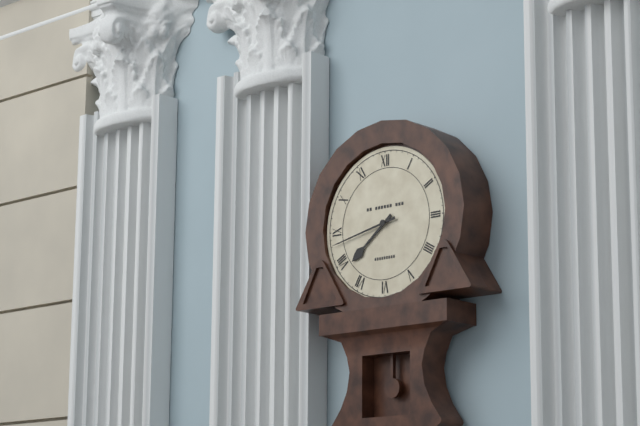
7 h 43 min
